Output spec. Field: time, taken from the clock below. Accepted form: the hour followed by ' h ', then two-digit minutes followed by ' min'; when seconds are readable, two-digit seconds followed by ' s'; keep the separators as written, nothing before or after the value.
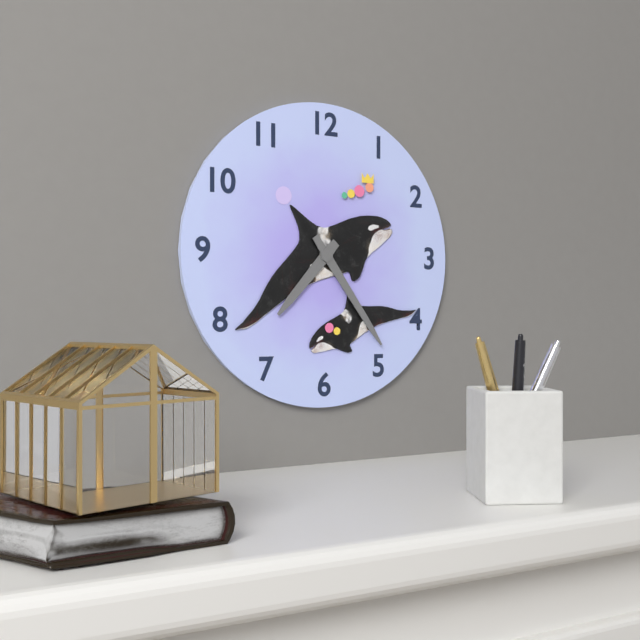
7 h 24 min
